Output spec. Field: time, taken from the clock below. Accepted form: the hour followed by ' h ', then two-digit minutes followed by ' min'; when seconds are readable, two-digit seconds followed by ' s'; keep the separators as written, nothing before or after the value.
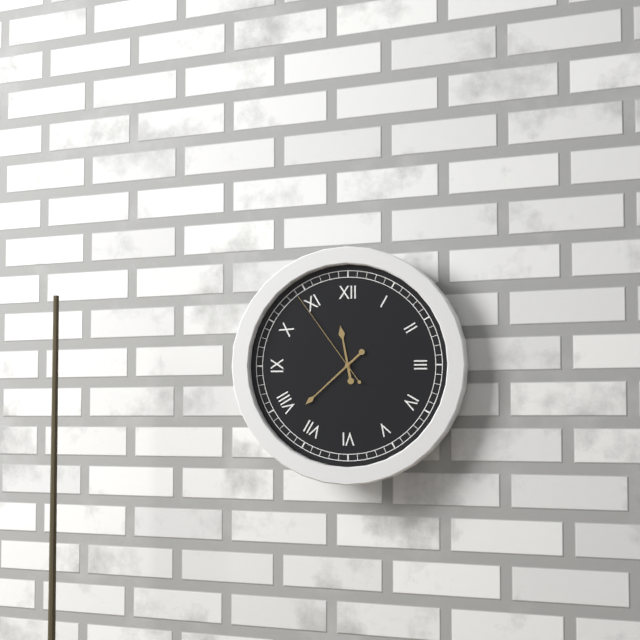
11 h 38 min 54 s
